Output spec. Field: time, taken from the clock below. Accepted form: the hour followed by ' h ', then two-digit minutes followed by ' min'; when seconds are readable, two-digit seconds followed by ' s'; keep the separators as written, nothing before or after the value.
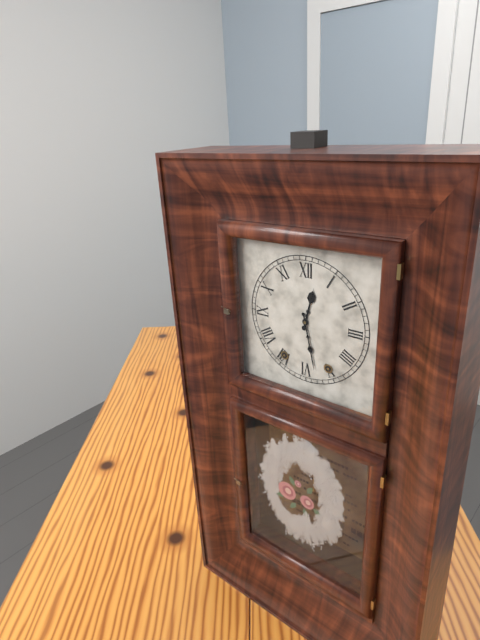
12 h 28 min
